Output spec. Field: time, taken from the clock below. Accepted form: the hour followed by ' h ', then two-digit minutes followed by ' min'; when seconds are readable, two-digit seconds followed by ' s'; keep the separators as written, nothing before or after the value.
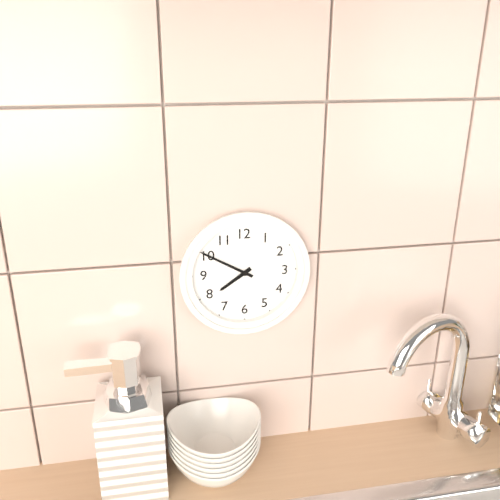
7 h 50 min
